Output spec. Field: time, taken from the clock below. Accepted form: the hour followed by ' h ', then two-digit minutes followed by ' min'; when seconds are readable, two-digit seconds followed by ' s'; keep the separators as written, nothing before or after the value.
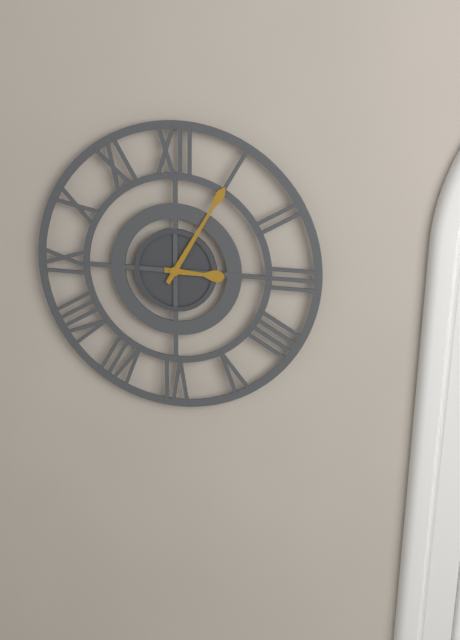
3 h 05 min
